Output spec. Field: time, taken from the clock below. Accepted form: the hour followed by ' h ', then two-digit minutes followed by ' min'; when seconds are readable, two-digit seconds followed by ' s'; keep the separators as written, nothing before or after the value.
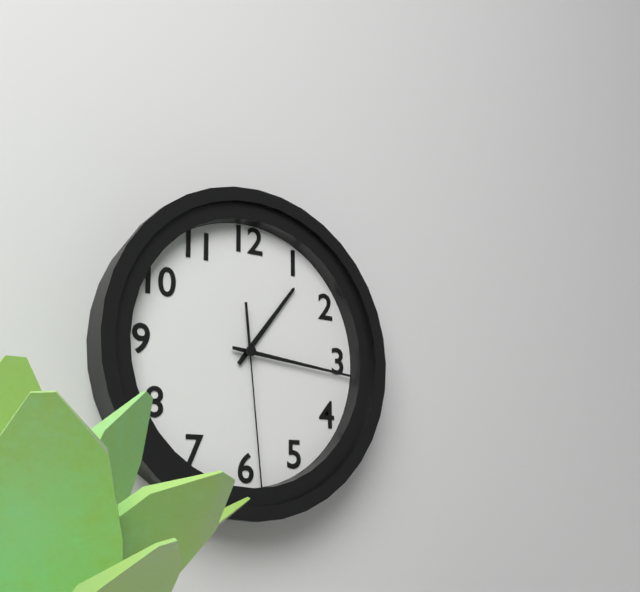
1 h 16 min 29 s
